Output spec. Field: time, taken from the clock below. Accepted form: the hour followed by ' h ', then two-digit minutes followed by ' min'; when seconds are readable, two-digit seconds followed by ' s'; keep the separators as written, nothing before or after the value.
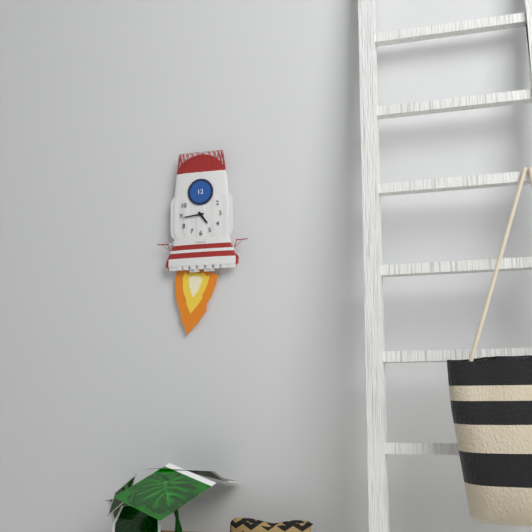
4 h 44 min
